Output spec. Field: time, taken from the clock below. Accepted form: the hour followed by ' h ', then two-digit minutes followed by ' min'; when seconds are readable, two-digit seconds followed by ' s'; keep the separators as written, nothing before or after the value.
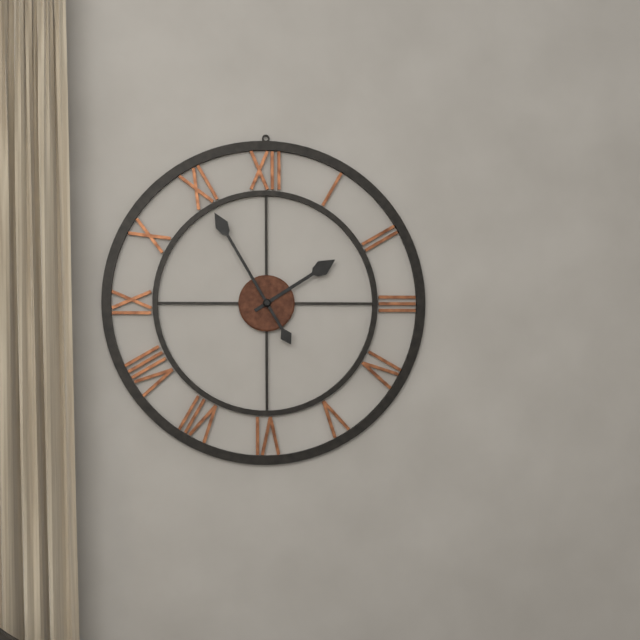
1 h 55 min
